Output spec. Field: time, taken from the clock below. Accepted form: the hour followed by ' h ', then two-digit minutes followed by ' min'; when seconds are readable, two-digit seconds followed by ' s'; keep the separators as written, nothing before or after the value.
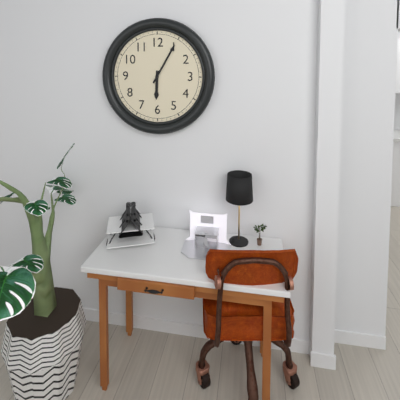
6 h 05 min
